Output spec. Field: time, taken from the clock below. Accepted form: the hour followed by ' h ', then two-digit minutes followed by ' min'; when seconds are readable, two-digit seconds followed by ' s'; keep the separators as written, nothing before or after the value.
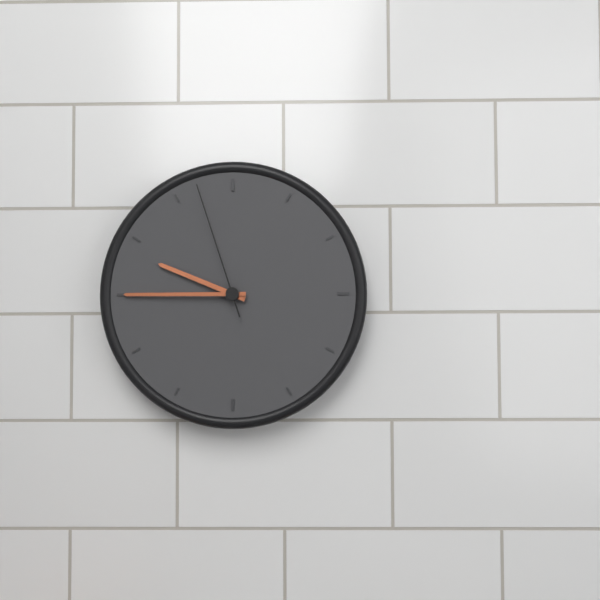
9 h 45 min 57 s
